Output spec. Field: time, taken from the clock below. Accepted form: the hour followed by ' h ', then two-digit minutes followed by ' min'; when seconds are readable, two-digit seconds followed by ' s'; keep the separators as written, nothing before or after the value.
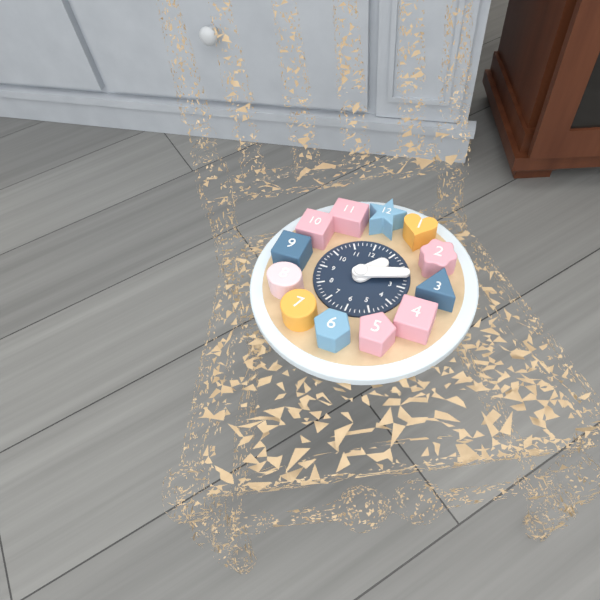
1 h 12 min
